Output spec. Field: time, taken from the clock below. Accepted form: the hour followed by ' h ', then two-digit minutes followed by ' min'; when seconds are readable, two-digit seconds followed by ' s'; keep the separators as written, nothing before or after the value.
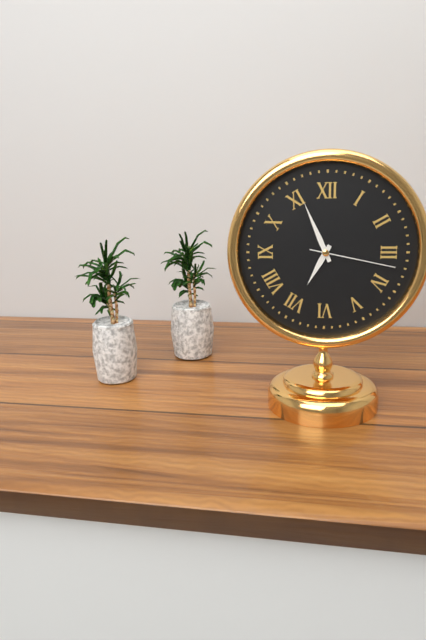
6 h 56 min 17 s
